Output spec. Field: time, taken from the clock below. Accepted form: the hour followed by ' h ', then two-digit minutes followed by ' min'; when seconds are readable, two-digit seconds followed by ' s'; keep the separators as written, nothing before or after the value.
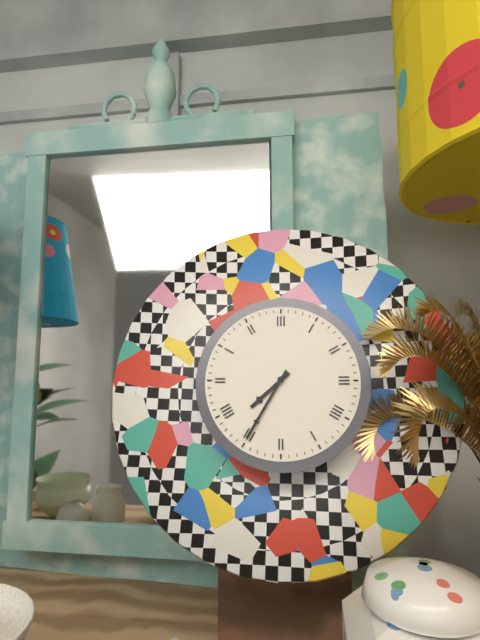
7 h 35 min
